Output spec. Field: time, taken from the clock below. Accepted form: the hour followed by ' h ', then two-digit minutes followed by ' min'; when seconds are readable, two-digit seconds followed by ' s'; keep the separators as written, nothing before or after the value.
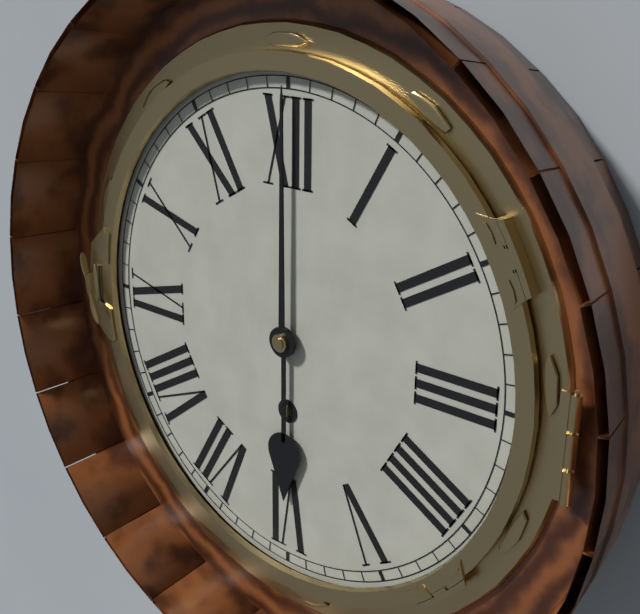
6 h 00 min
